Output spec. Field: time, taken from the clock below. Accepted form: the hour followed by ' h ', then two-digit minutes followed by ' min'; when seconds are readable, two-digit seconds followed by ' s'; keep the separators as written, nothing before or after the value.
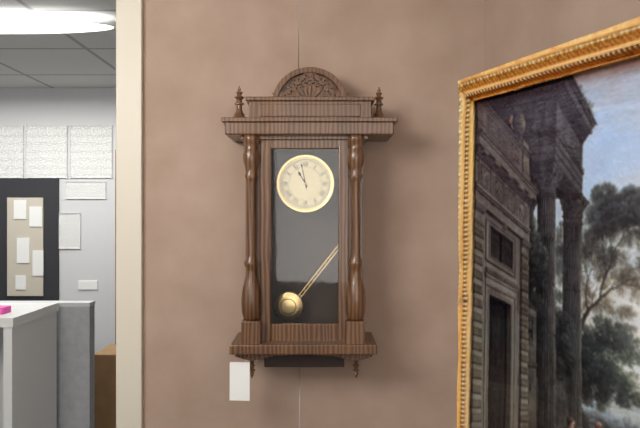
10 h 58 min
